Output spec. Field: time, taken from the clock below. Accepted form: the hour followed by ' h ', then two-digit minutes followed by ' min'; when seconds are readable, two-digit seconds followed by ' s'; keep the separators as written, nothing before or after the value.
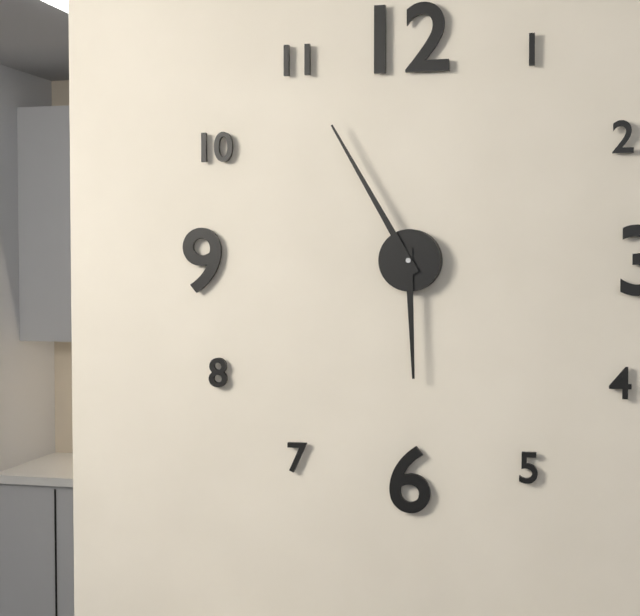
5 h 55 min
